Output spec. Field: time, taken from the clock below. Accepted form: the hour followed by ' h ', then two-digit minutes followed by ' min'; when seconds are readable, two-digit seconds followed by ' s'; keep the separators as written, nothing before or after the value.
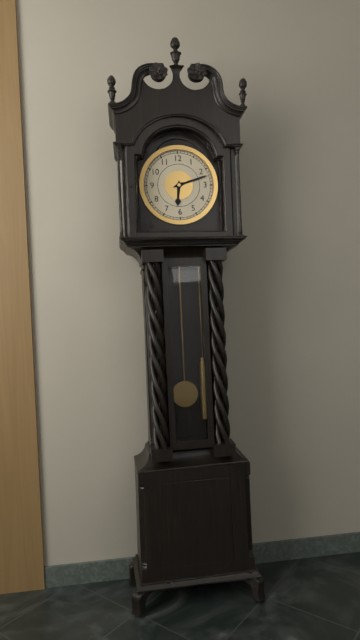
6 h 12 min
